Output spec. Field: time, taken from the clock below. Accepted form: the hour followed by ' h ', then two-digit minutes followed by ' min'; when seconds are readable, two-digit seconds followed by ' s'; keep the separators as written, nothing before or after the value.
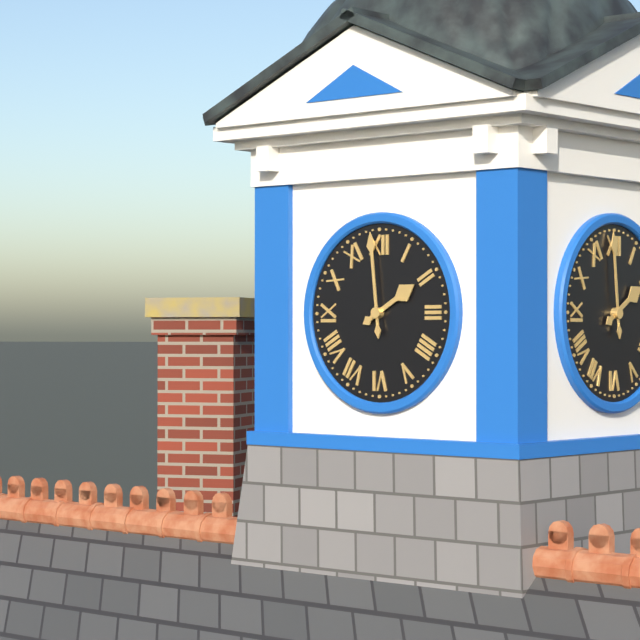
1 h 59 min
